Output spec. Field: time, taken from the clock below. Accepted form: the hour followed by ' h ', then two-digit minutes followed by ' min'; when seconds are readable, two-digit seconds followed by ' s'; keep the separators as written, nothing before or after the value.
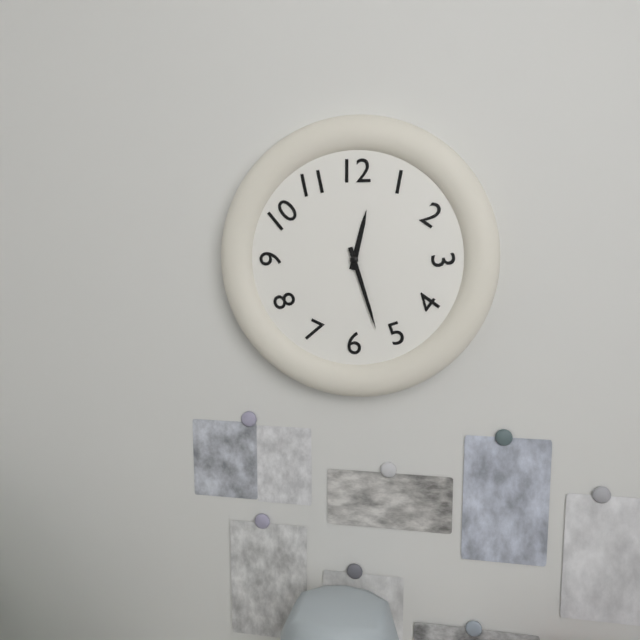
12 h 27 min
